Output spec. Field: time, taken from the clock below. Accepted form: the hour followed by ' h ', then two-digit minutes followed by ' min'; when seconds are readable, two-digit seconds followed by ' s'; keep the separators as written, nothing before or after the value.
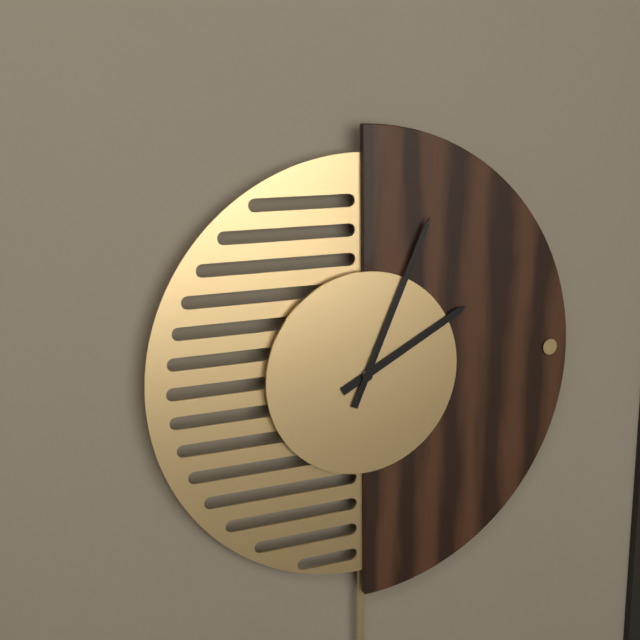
2 h 04 min
